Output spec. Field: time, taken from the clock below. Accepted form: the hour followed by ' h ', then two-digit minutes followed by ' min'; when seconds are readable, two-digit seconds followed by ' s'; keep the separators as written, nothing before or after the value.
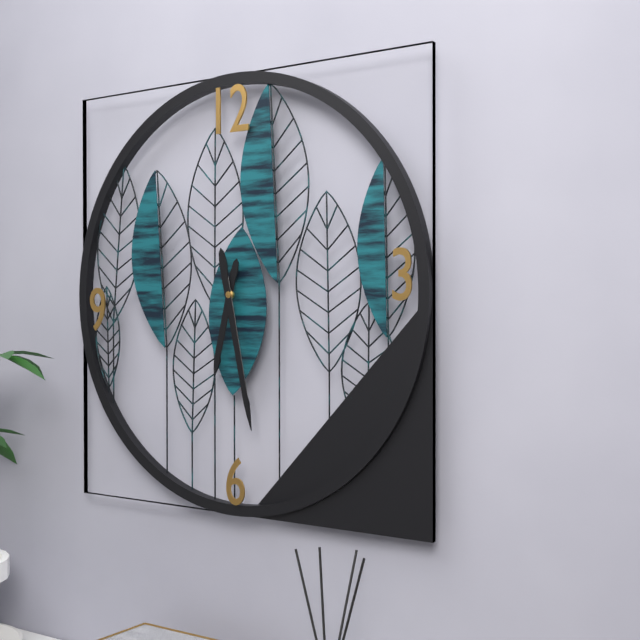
6 h 28 min
